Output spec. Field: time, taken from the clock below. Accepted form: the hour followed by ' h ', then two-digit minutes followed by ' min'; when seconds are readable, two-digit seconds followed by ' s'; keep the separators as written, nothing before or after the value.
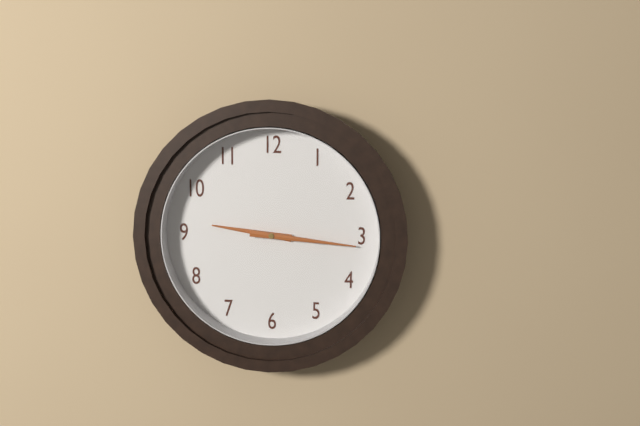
9 h 16 min
